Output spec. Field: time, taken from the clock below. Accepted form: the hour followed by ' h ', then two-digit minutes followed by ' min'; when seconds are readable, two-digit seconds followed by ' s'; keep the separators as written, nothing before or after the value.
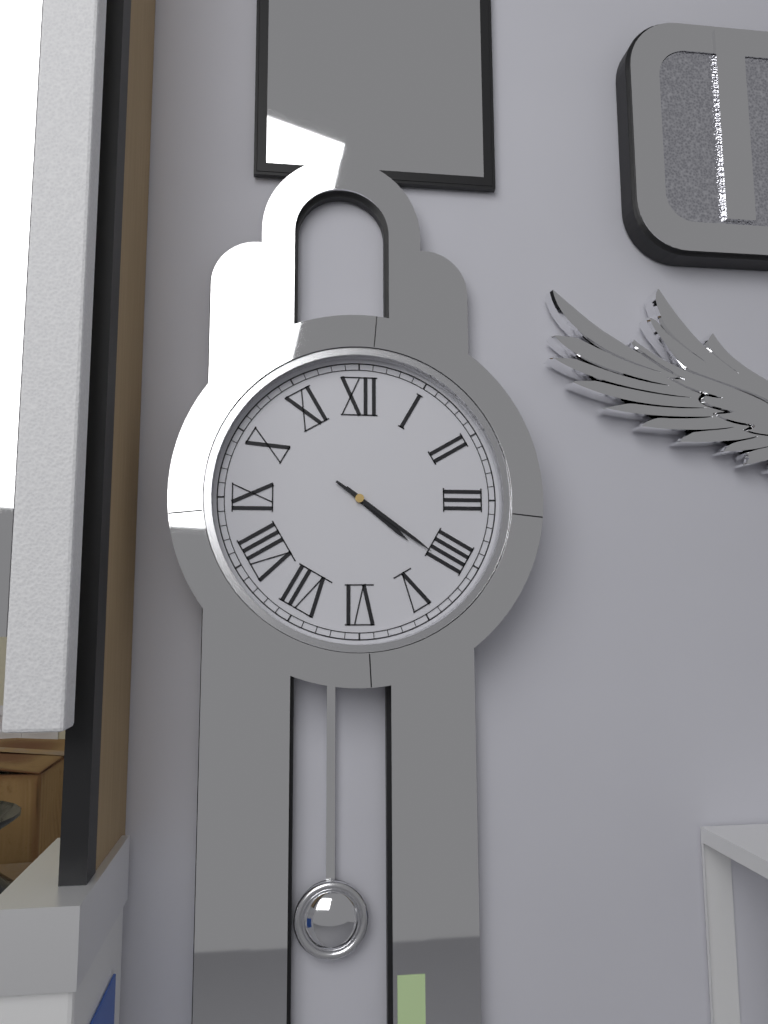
4 h 21 min
